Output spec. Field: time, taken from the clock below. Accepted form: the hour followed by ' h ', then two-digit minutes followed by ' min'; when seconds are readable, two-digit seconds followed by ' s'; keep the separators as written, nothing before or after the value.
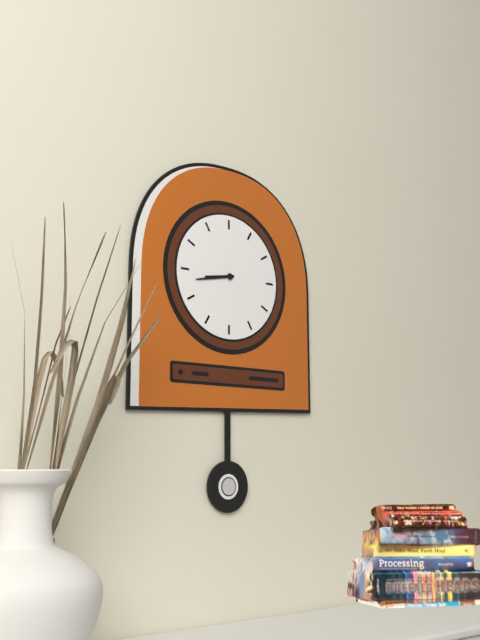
8 h 43 min
